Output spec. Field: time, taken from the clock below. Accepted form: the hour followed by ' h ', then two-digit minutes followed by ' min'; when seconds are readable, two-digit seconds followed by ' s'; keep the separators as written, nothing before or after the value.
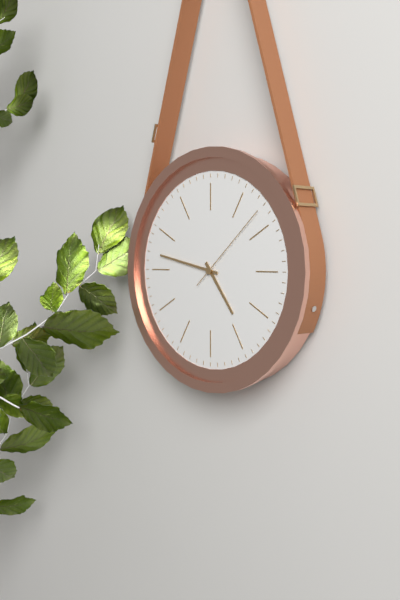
4 h 47 min 08 s
